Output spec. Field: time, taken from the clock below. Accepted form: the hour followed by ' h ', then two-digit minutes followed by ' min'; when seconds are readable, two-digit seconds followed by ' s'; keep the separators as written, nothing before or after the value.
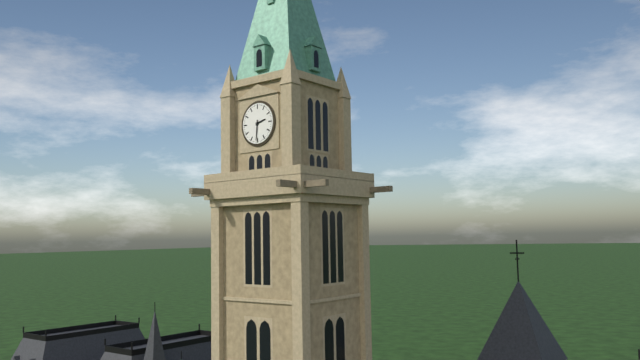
2 h 31 min
